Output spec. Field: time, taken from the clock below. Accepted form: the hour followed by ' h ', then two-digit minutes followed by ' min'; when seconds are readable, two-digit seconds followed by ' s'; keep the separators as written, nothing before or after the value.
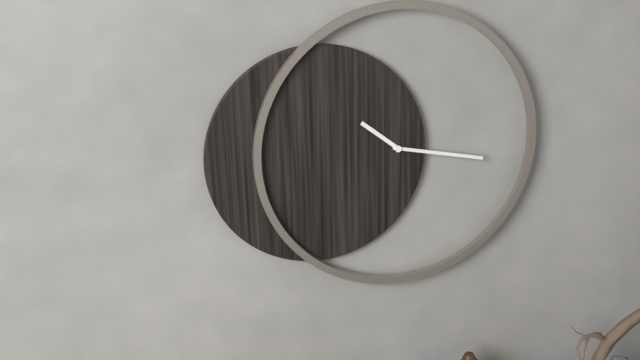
10 h 17 min
